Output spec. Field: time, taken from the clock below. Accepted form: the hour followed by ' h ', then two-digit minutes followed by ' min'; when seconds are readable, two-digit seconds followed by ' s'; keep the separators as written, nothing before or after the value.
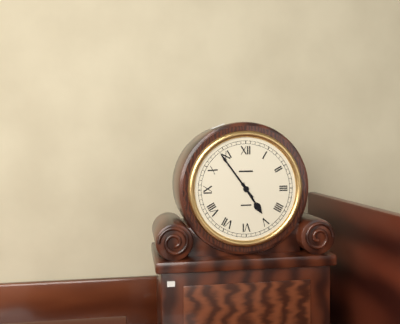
4 h 54 min
